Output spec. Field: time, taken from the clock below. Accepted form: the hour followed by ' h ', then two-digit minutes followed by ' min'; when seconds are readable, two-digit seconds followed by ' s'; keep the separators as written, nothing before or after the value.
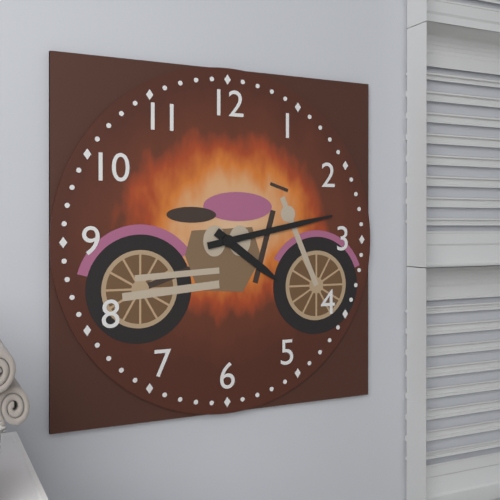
4 h 13 min
